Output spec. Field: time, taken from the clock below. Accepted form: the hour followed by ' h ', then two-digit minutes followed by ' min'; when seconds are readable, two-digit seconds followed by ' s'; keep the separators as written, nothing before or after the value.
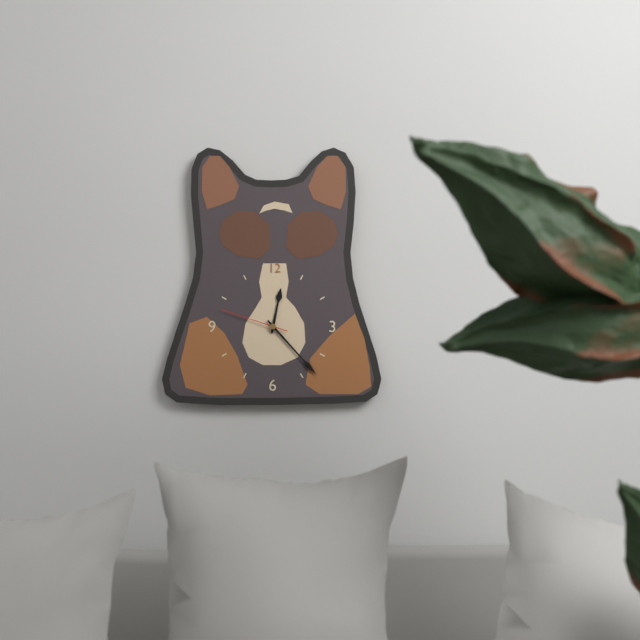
12 h 23 min 48 s
